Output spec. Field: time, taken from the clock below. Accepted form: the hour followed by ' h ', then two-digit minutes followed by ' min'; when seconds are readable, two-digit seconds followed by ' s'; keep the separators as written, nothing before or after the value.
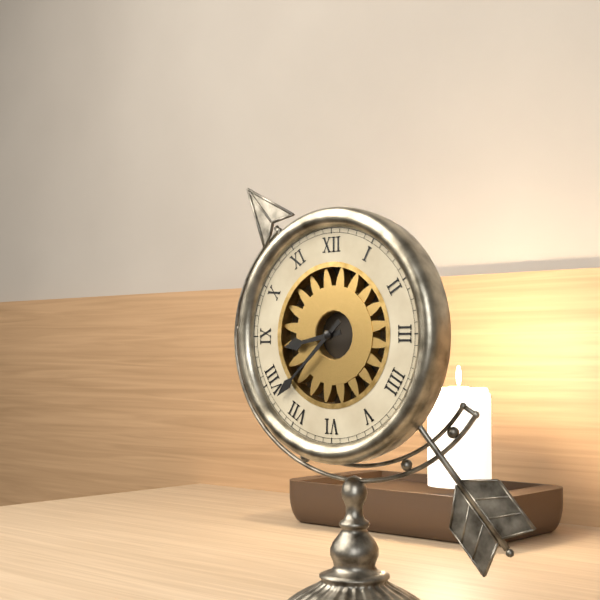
8 h 38 min
